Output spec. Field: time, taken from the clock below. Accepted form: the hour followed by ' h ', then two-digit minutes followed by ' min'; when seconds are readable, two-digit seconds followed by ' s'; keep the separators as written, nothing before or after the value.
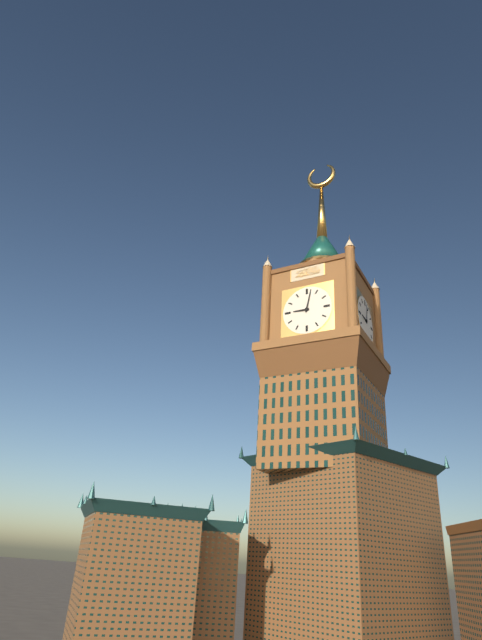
9 h 02 min
